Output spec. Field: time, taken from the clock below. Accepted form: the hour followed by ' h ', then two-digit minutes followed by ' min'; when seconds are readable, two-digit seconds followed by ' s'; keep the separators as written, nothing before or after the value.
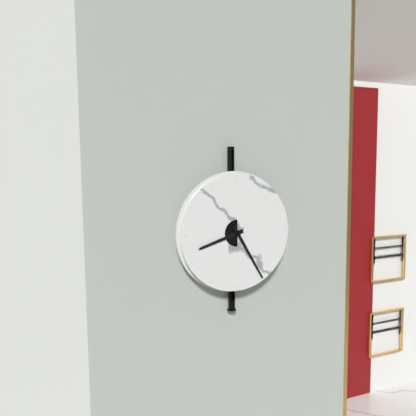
8 h 25 min
